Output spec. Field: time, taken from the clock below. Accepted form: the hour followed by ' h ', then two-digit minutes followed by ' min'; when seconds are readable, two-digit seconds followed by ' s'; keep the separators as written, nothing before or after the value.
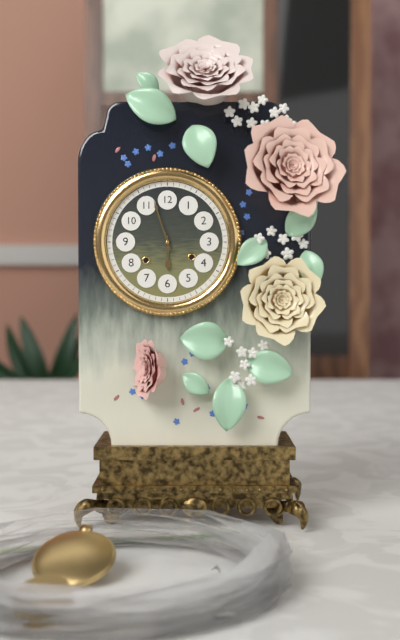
5 h 57 min
